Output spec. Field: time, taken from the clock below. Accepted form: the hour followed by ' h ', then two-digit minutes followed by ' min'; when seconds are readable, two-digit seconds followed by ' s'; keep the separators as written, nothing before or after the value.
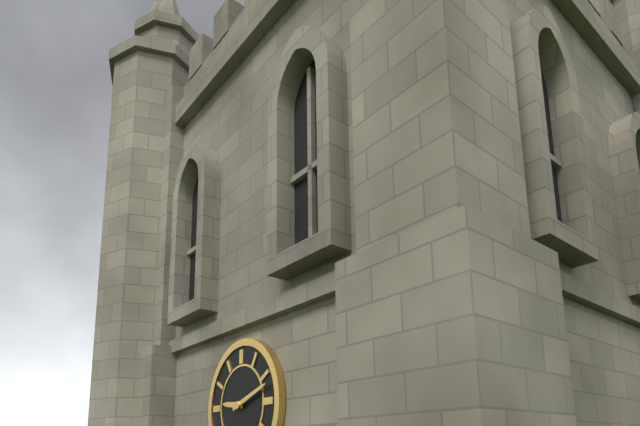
9 h 12 min
